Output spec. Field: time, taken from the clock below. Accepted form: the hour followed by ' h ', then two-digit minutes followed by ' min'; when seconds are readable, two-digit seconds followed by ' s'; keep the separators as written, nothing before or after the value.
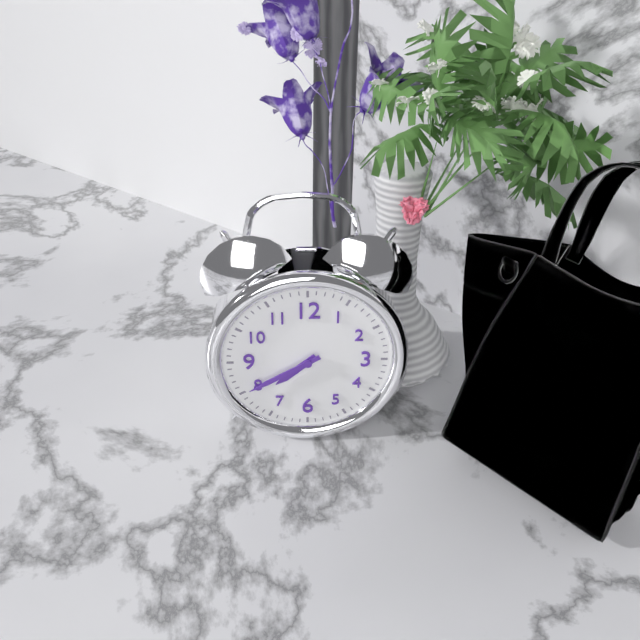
7 h 40 min
